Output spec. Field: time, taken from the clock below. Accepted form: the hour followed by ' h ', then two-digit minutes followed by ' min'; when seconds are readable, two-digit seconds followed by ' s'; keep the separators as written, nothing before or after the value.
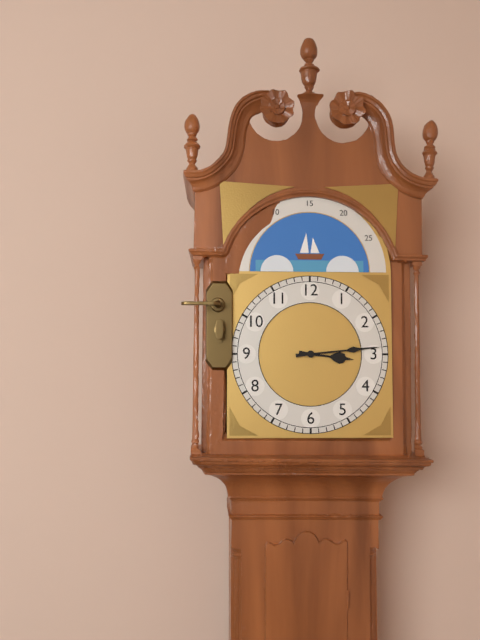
3 h 14 min
